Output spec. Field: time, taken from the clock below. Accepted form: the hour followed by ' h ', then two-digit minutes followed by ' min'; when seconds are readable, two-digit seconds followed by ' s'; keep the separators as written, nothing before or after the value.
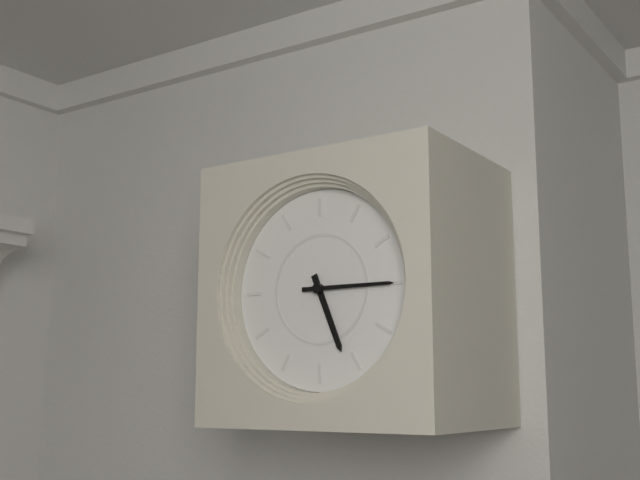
5 h 15 min
